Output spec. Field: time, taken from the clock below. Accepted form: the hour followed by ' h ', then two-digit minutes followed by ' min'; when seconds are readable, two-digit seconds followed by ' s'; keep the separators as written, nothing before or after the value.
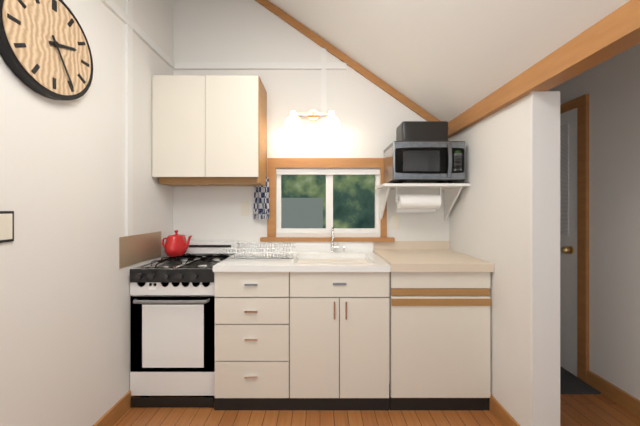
2 h 25 min
